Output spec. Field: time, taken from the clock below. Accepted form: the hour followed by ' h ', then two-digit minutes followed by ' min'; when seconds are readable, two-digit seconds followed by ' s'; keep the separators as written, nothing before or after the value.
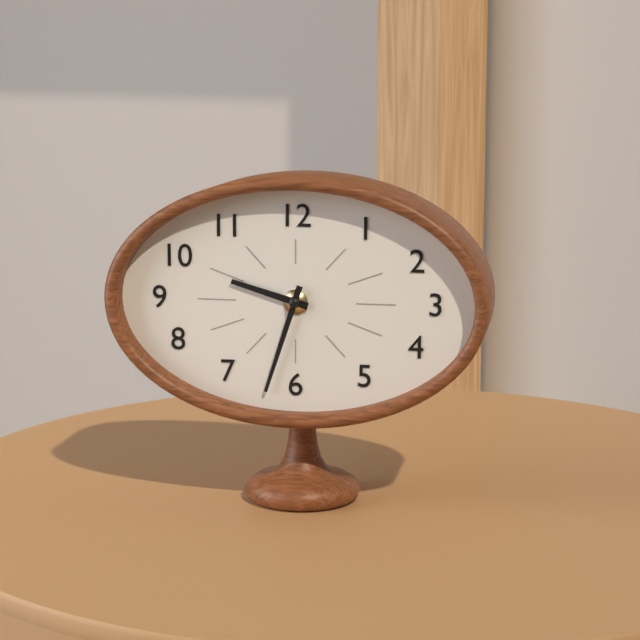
9 h 33 min
